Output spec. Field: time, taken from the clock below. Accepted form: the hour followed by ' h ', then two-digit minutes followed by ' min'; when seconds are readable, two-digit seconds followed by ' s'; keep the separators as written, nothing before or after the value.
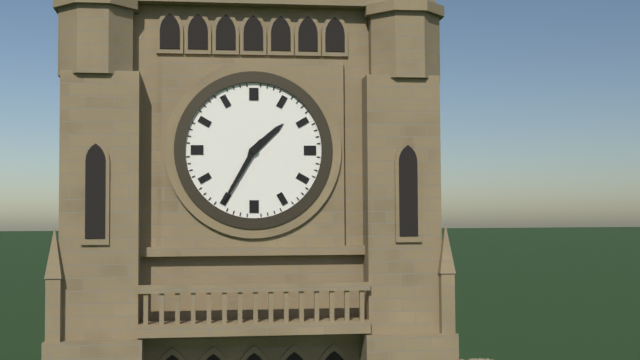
1 h 35 min
